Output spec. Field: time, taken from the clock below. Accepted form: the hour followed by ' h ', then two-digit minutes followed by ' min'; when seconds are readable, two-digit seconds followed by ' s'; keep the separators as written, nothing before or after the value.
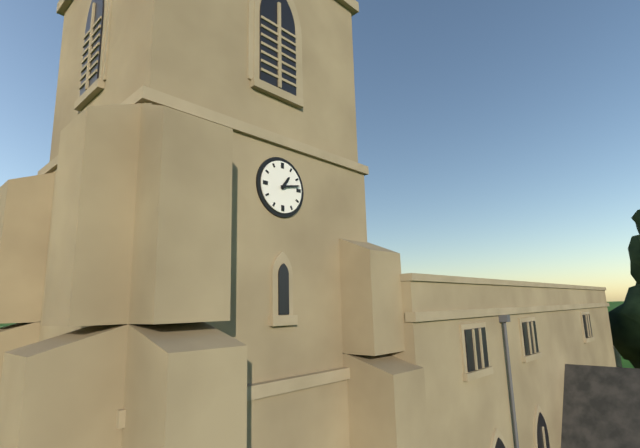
1 h 13 min
